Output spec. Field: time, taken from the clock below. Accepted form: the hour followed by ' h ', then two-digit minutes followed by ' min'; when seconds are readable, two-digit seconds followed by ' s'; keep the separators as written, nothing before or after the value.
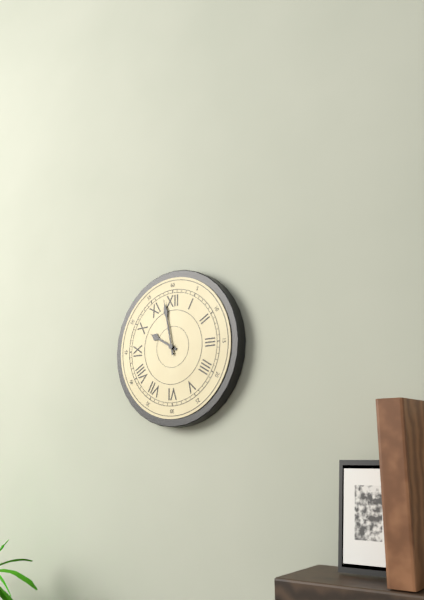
9 h 58 min
